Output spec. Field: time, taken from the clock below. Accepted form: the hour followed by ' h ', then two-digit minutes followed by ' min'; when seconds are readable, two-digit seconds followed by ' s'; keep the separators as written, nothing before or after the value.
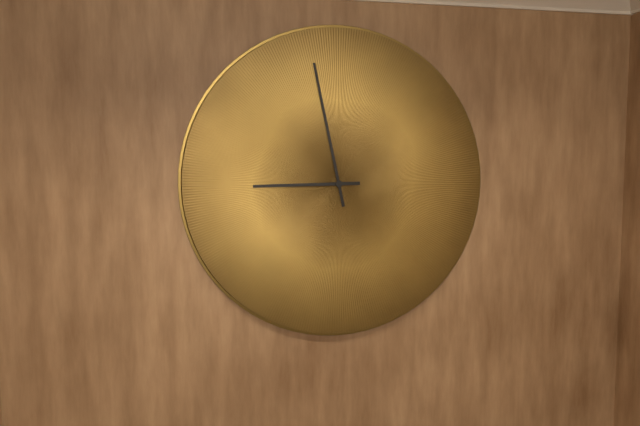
8 h 58 min
